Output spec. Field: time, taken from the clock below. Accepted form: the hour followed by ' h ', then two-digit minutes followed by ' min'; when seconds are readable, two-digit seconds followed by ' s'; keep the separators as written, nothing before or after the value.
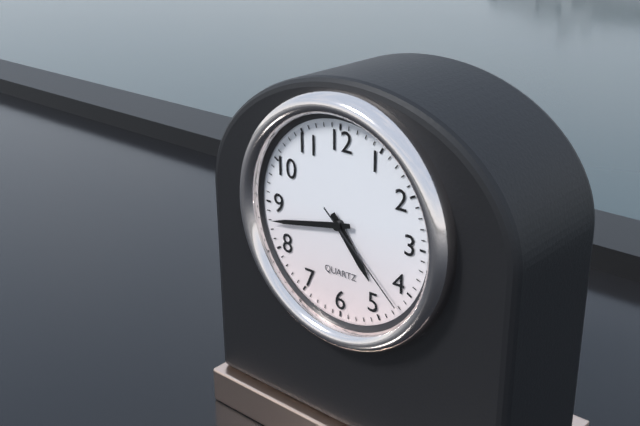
4 h 43 min 22 s
